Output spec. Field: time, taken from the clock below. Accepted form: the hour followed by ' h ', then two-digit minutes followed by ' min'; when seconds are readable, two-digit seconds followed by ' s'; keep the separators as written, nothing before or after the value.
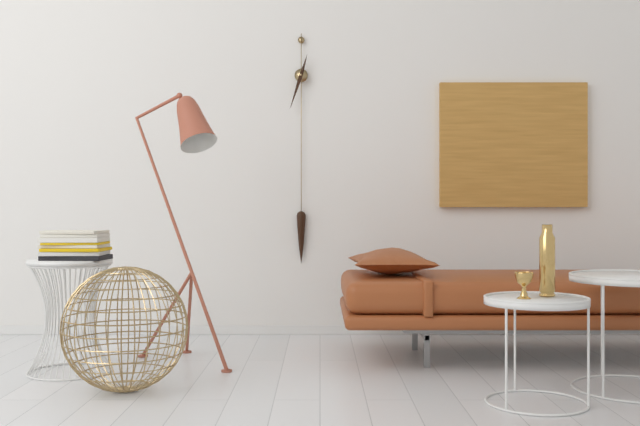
12 h 33 min
